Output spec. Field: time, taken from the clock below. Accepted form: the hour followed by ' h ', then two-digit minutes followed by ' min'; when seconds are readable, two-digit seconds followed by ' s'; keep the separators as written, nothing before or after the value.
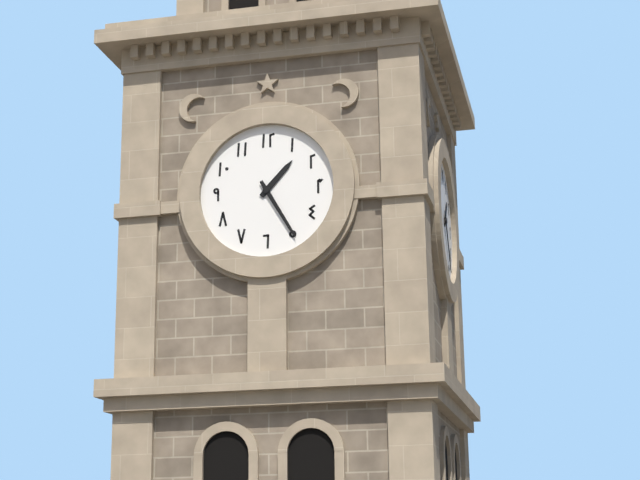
1 h 25 min
